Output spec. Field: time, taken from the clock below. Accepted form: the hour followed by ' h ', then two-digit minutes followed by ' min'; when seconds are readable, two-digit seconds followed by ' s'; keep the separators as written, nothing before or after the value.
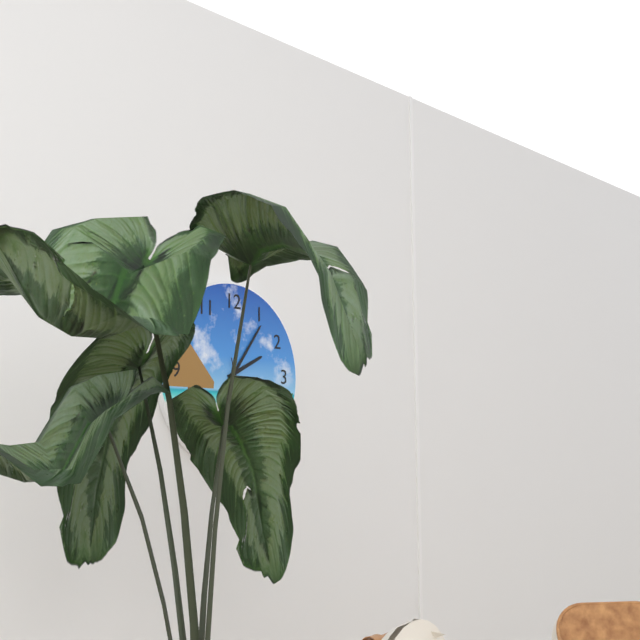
2 h 06 min 28 s
